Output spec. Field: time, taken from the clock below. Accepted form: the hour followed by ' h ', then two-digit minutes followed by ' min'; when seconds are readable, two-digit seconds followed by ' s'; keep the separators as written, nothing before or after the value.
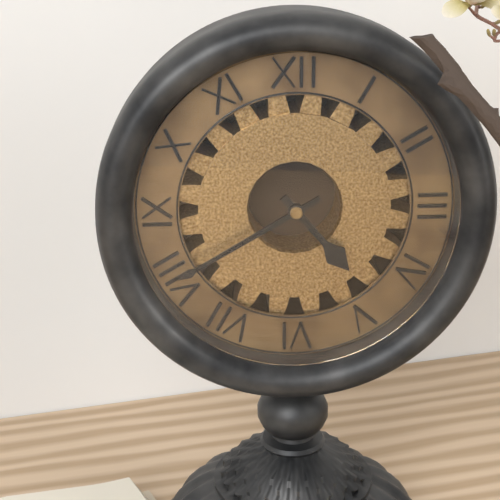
4 h 40 min
